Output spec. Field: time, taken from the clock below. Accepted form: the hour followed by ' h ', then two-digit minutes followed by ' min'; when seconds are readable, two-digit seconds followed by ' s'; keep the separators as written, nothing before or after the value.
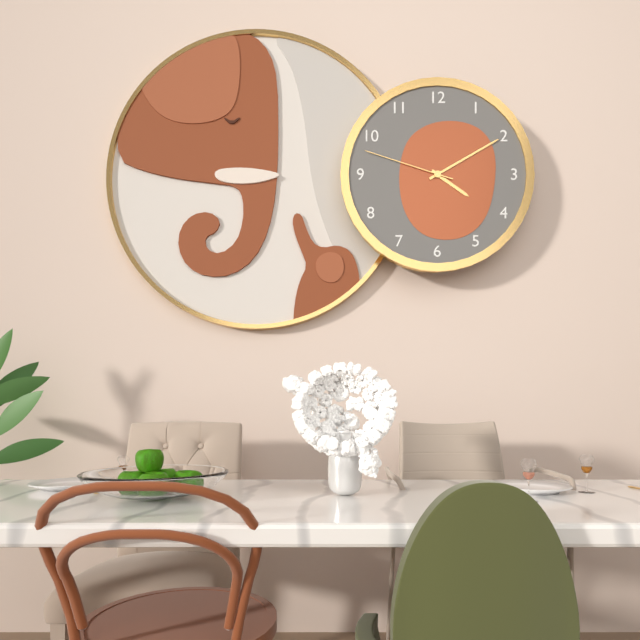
4 h 10 min 48 s
